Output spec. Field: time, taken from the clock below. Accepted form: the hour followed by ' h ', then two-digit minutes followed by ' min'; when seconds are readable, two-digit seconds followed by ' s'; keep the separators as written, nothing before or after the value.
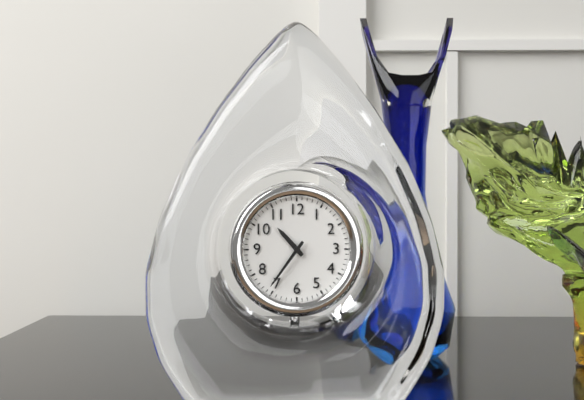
10 h 36 min
